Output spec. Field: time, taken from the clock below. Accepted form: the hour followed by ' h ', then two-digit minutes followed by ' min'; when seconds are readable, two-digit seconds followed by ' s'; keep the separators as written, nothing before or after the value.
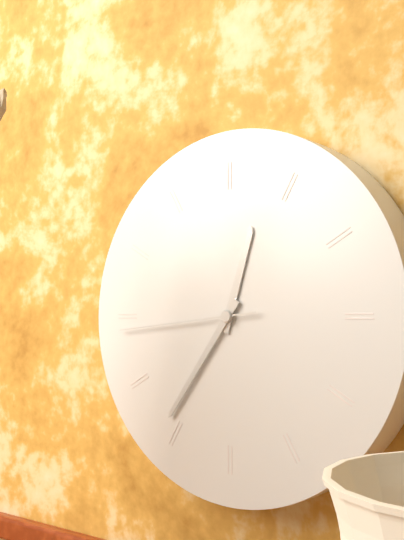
12 h 36 min 44 s
